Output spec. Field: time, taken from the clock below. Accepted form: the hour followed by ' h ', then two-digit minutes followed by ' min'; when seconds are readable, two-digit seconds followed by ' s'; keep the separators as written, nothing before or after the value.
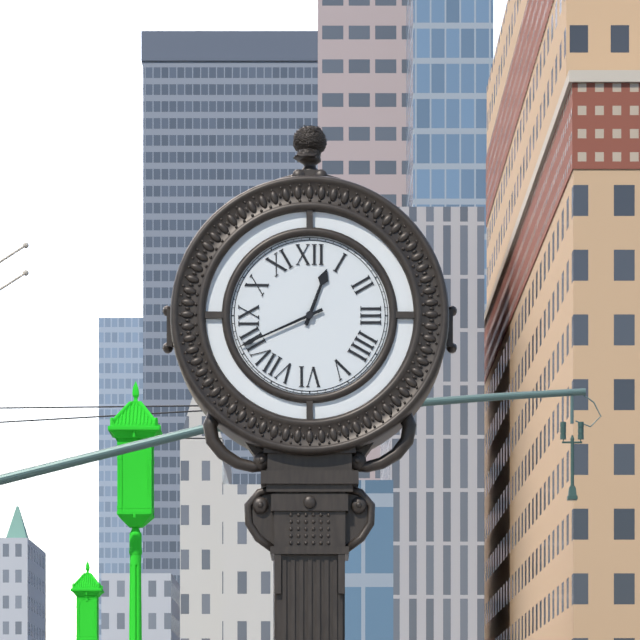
12 h 41 min
